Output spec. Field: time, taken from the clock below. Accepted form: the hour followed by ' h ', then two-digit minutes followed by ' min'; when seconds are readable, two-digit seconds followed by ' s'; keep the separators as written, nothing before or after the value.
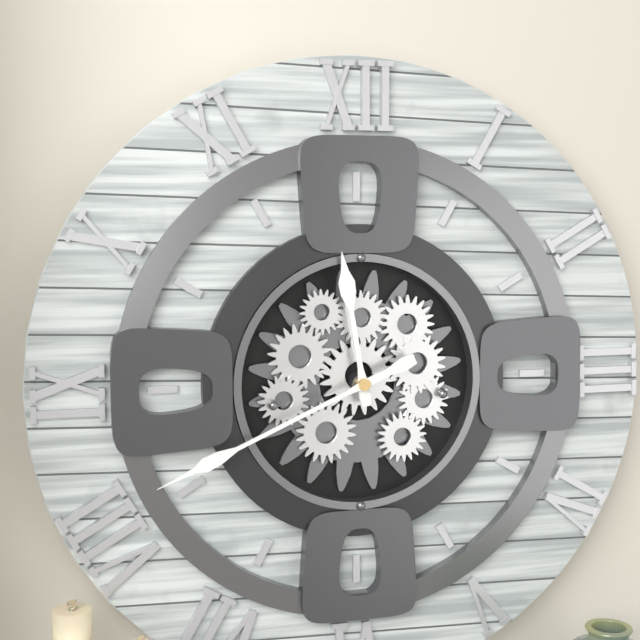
11 h 41 min
